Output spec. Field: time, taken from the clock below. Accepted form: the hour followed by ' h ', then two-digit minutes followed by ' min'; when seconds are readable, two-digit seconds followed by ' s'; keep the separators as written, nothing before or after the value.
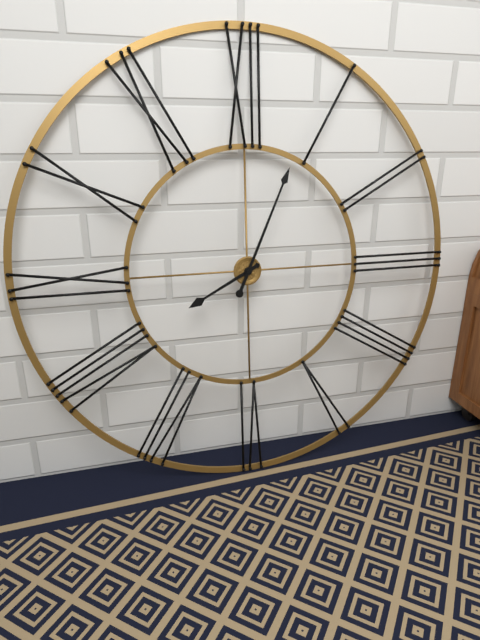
8 h 04 min
